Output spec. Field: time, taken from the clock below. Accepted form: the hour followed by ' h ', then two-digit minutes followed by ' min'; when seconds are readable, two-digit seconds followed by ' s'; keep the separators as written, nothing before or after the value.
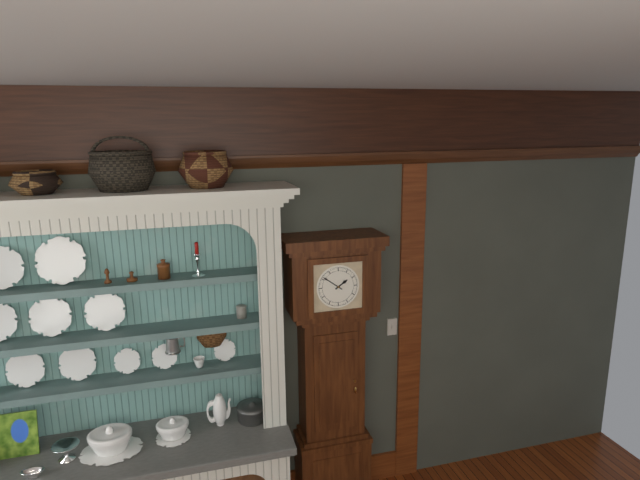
1 h 51 min
